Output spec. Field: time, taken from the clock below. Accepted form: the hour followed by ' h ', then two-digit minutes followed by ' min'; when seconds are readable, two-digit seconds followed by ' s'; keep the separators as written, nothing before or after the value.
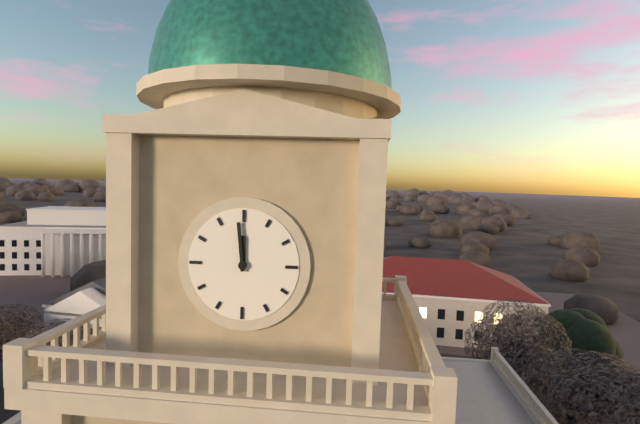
11 h 59 min
